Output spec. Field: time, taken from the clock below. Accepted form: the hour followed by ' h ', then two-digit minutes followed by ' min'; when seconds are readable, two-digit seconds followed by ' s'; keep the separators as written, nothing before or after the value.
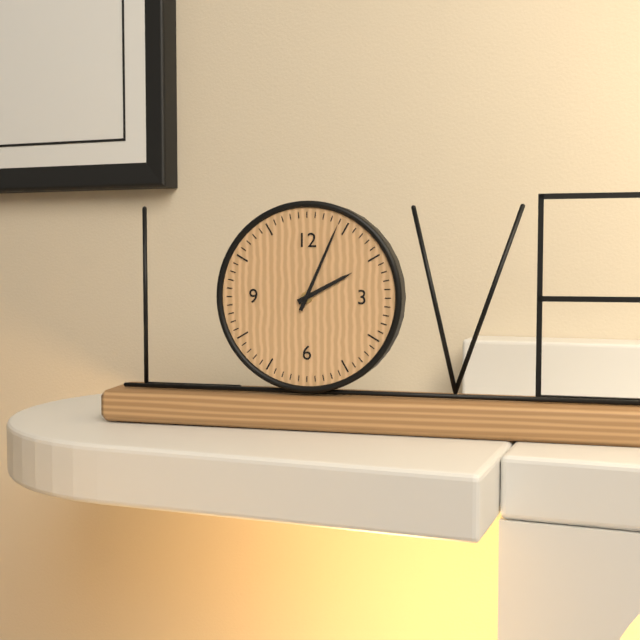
2 h 04 min
